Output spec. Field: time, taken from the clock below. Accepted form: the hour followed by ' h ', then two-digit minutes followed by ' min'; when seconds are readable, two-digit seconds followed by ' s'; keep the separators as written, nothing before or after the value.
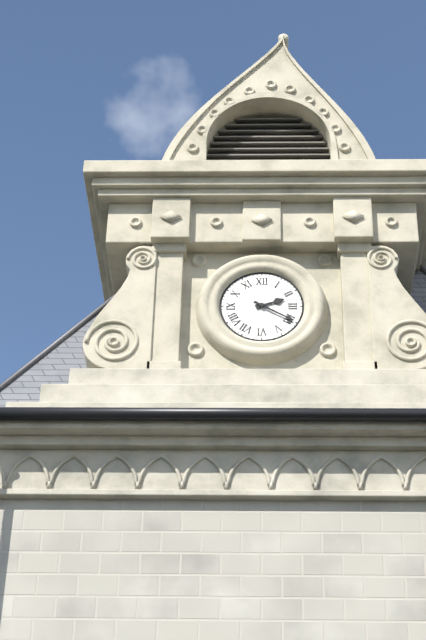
2 h 20 min
